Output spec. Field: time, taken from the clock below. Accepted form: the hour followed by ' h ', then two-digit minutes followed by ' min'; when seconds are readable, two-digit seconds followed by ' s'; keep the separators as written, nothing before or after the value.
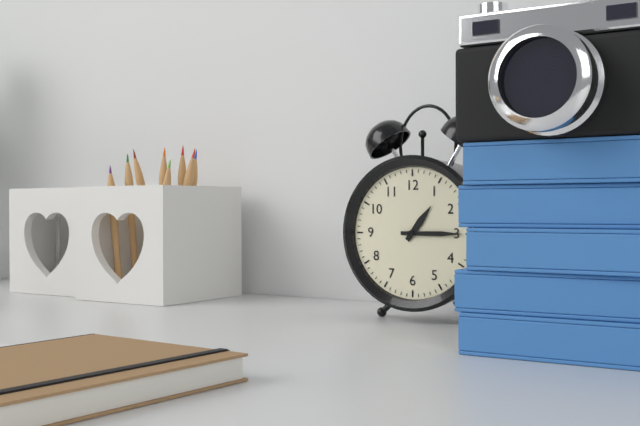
1 h 15 min
